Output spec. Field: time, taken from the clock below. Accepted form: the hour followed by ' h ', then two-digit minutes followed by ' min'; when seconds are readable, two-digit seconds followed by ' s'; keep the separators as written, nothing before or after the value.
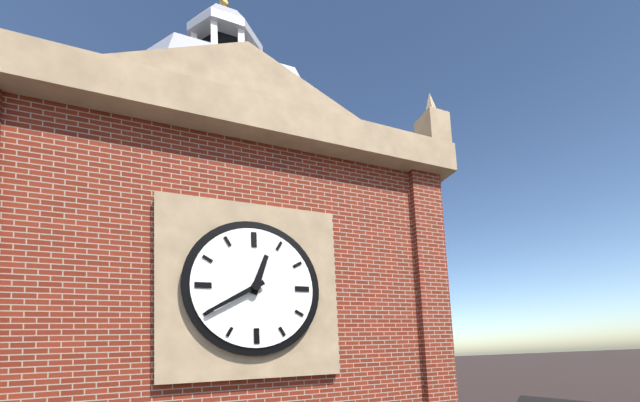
12 h 40 min
